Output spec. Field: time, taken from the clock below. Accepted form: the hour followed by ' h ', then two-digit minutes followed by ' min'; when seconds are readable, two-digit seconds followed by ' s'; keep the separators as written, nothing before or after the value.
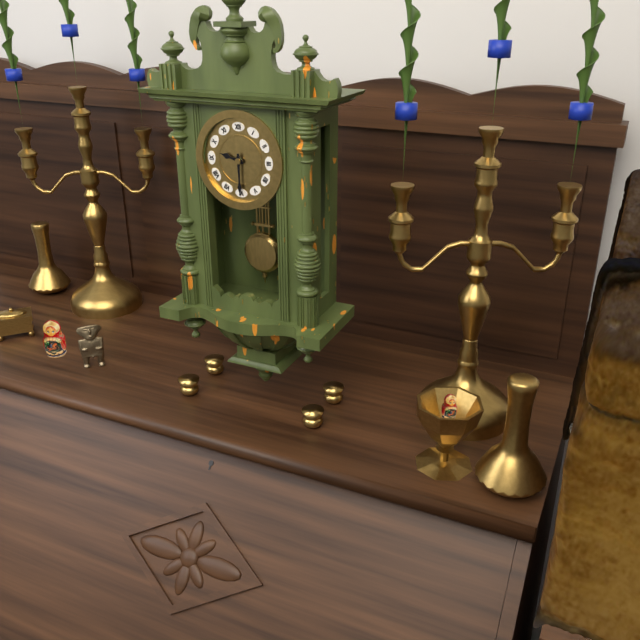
9 h 30 min
